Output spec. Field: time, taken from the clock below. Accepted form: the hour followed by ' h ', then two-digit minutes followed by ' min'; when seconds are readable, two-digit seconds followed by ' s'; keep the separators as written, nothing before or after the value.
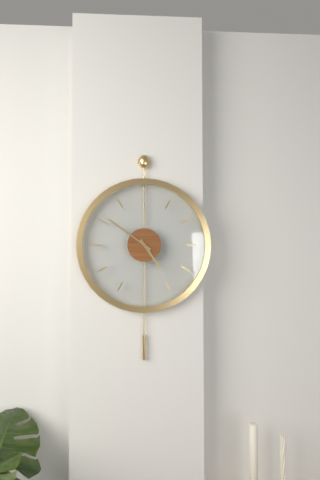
4 h 51 min
